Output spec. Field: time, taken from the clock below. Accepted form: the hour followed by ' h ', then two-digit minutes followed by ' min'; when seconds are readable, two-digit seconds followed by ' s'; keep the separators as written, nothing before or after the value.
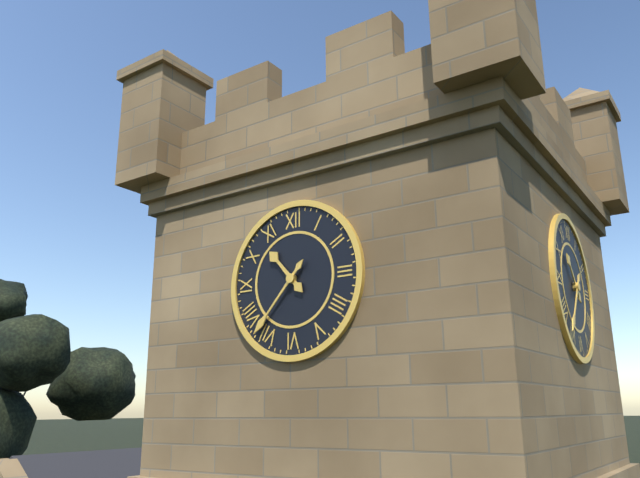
10 h 37 min
